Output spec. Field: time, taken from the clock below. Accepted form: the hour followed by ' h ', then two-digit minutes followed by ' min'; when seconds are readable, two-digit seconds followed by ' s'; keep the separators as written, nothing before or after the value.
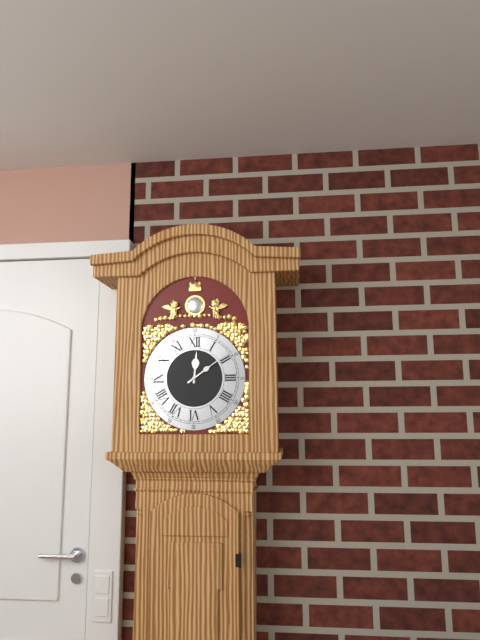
12 h 09 min
